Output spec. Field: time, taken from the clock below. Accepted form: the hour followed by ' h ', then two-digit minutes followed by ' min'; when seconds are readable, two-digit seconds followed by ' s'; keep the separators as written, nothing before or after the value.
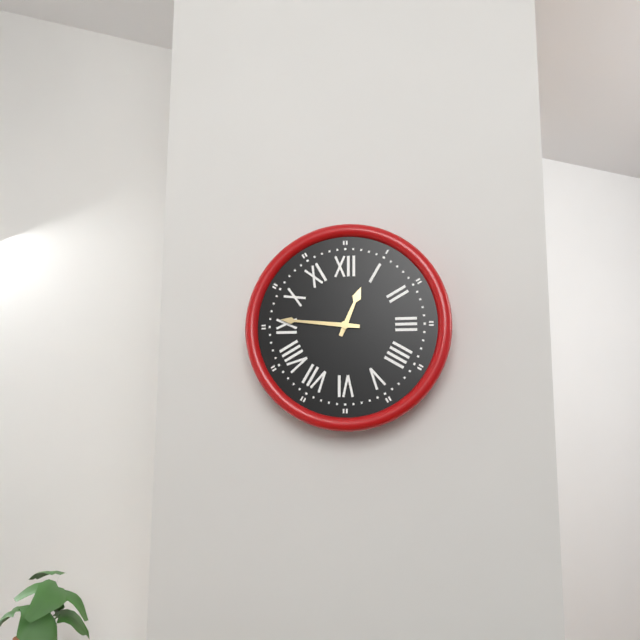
12 h 46 min
